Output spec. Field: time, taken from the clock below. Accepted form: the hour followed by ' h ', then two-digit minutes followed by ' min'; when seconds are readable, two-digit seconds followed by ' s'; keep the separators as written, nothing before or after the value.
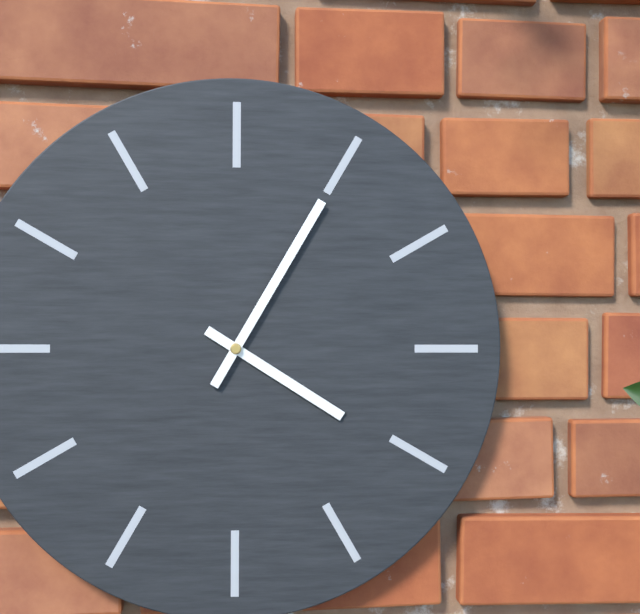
4 h 05 min
